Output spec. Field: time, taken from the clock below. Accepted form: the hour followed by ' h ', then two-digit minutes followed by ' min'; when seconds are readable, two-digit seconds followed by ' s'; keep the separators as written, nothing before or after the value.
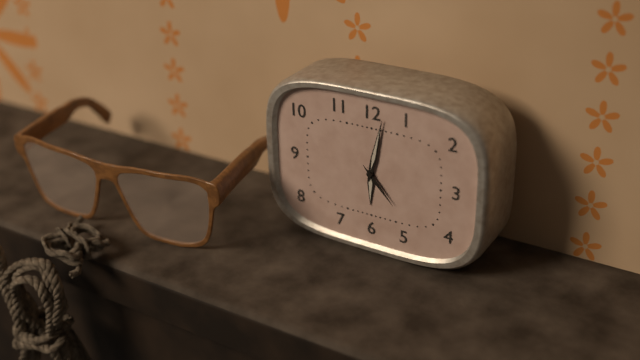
6 h 02 min
